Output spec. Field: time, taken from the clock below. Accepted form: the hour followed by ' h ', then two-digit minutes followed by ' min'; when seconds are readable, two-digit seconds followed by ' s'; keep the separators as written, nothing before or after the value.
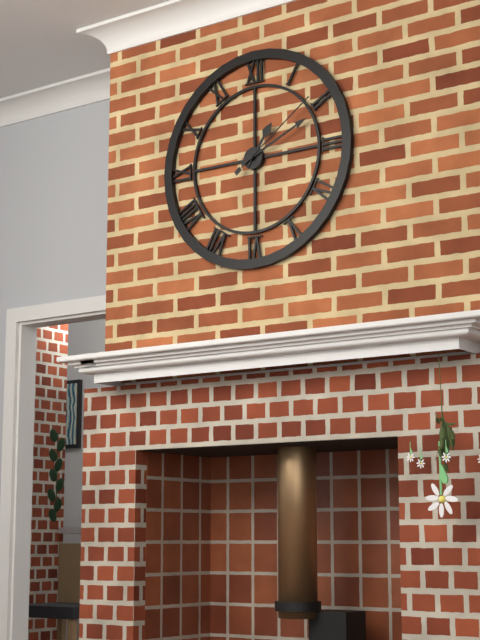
1 h 11 min 09 s
